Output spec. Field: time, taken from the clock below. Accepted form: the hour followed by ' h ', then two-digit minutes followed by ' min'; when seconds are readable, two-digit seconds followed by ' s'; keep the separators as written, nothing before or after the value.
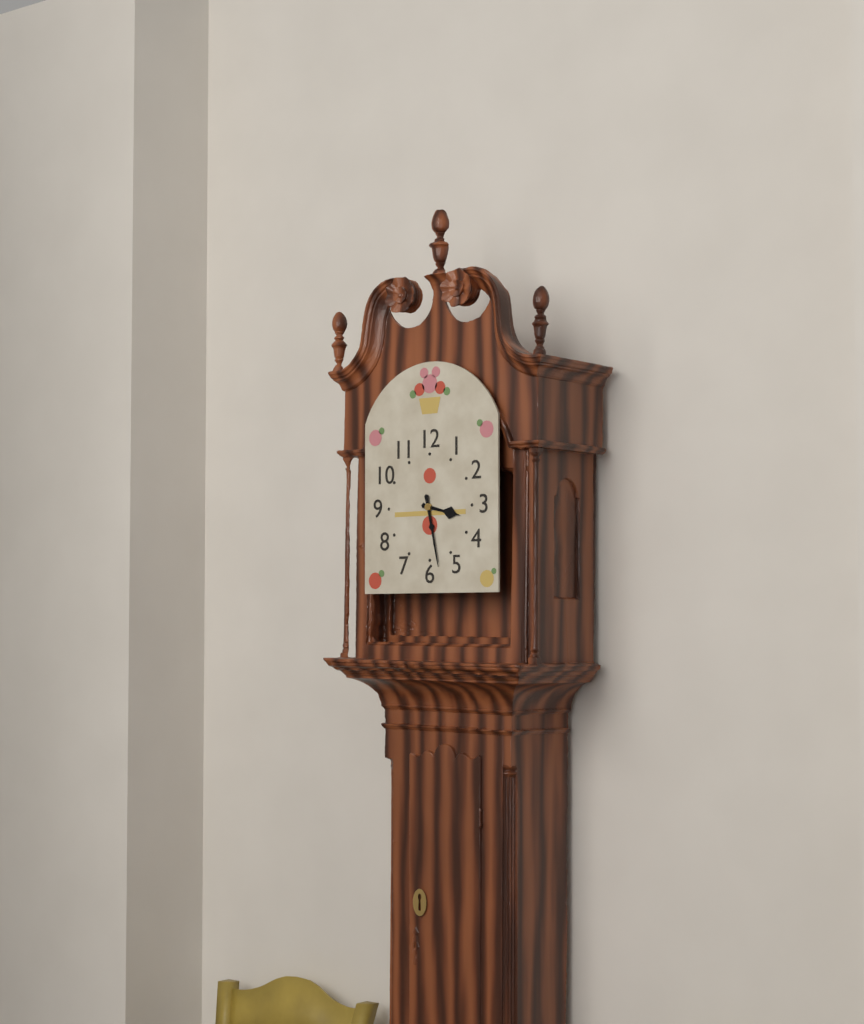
3 h 28 min
